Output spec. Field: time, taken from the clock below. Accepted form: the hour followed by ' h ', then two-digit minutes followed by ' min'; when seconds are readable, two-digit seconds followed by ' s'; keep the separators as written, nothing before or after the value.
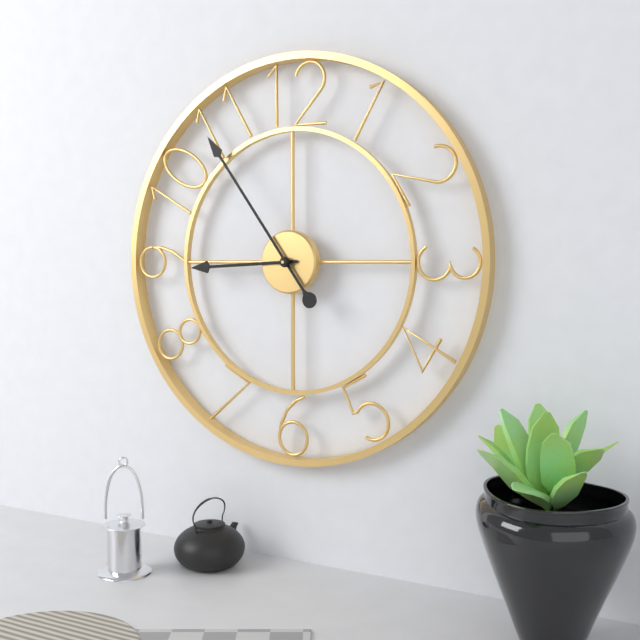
8 h 54 min
